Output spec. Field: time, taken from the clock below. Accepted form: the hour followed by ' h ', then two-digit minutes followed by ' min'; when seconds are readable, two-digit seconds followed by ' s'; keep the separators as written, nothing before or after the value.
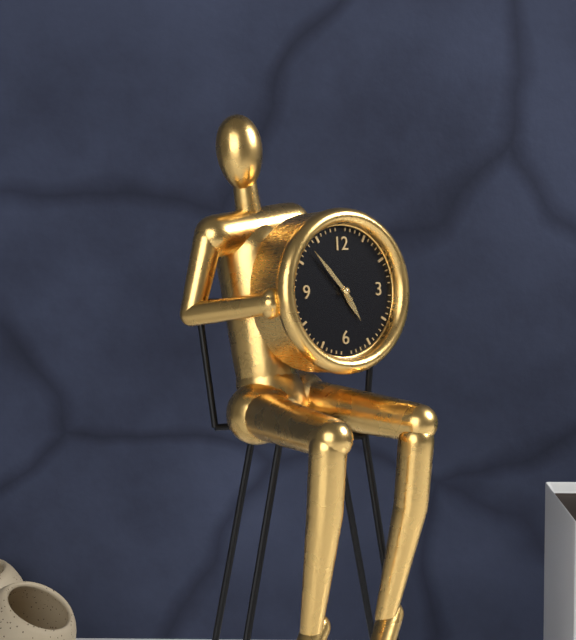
4 h 53 min
